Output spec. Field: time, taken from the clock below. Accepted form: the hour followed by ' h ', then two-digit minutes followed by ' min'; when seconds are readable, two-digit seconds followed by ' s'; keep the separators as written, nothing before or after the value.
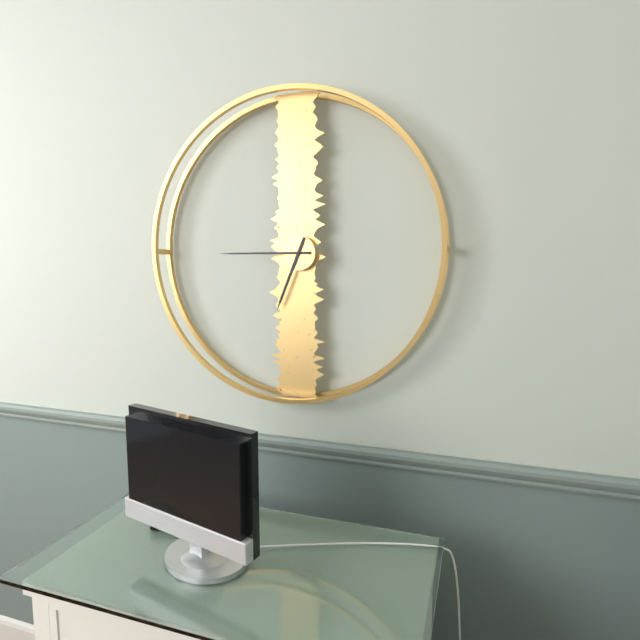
6 h 45 min
